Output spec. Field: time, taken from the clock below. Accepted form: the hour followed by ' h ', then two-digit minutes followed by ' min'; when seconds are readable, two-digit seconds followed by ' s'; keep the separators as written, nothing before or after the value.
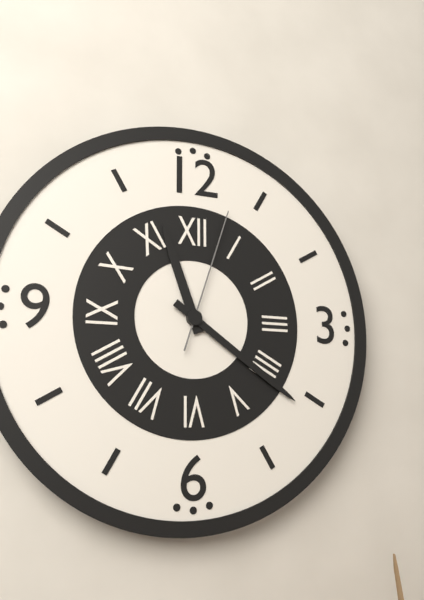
11 h 21 min 03 s
